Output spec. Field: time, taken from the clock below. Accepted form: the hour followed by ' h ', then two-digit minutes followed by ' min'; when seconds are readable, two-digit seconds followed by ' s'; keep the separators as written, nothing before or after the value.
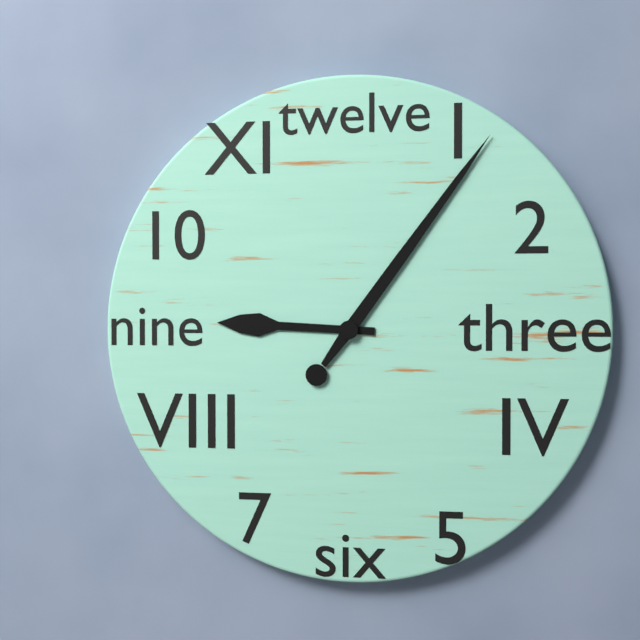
9 h 06 min
